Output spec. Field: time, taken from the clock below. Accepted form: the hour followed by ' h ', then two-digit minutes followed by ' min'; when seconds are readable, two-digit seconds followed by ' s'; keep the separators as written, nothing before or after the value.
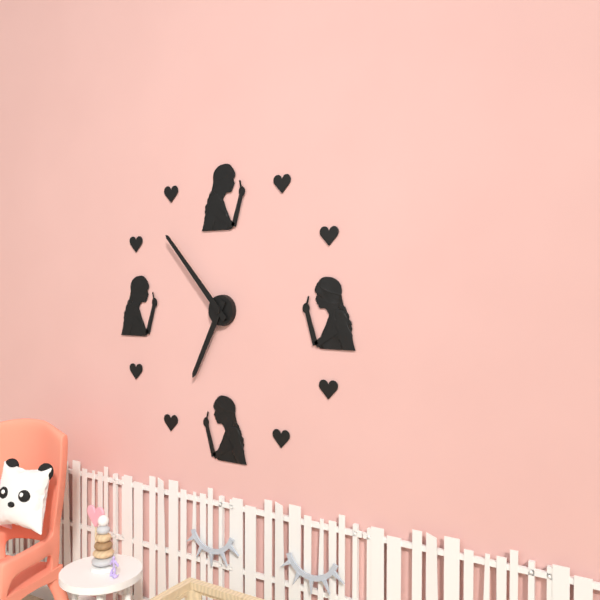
6 h 53 min
